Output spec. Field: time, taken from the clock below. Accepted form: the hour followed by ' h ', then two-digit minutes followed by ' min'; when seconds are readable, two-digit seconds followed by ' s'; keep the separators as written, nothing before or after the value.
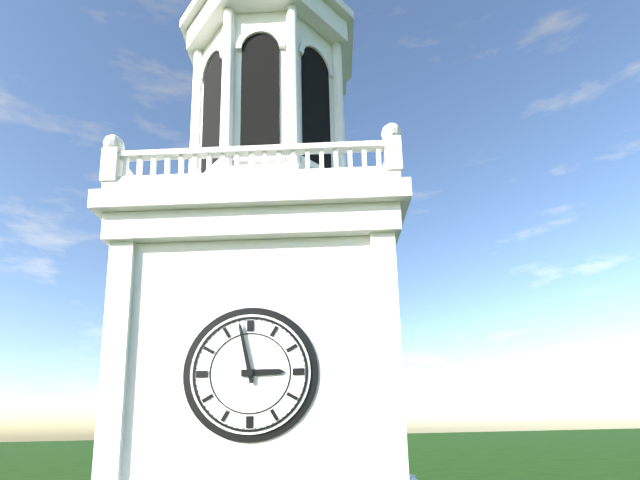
2 h 58 min
